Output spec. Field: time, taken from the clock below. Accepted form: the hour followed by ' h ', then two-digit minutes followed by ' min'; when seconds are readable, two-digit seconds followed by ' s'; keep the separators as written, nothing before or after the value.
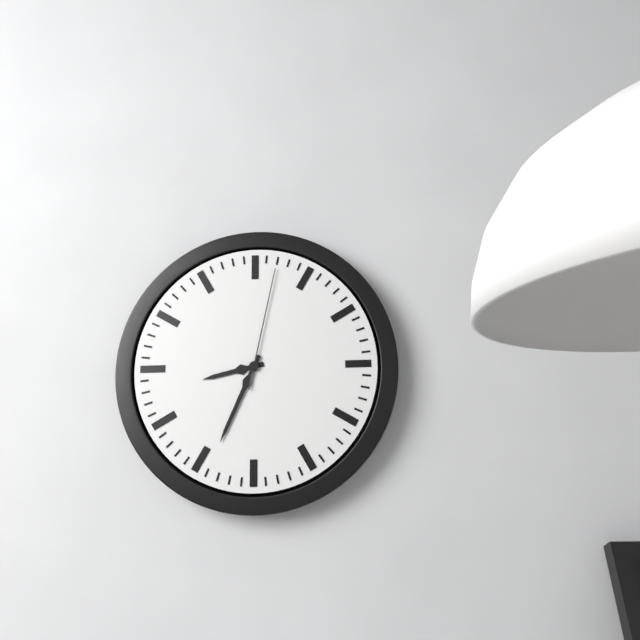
8 h 34 min 02 s
